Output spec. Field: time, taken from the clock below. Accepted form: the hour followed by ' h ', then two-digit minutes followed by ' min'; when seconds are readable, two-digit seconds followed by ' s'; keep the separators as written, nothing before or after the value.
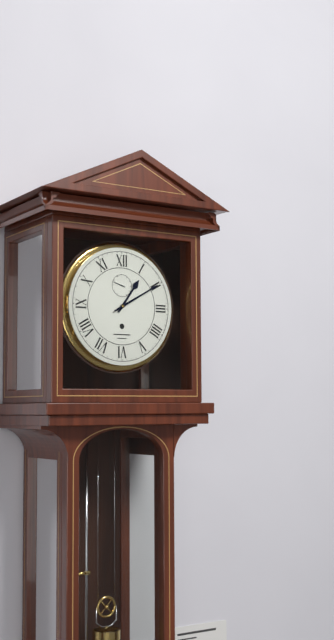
1 h 10 min
